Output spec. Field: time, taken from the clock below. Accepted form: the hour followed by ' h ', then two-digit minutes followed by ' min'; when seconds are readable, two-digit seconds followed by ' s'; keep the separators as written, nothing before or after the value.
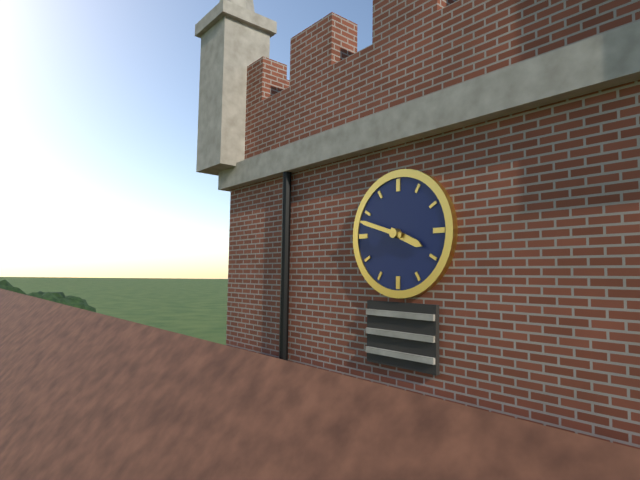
3 h 48 min
